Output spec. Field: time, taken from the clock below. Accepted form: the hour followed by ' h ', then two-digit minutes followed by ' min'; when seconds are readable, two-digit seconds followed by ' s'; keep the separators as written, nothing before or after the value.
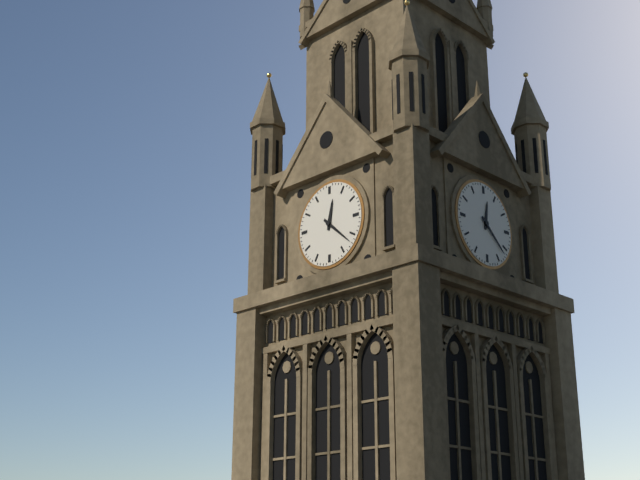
12 h 22 min
